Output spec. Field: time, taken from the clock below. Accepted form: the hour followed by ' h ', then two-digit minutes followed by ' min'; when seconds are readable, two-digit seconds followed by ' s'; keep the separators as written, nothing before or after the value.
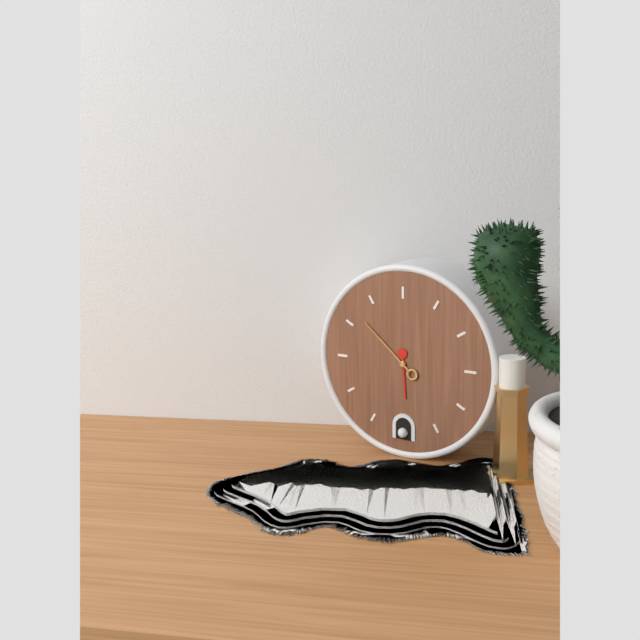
5 h 52 min
